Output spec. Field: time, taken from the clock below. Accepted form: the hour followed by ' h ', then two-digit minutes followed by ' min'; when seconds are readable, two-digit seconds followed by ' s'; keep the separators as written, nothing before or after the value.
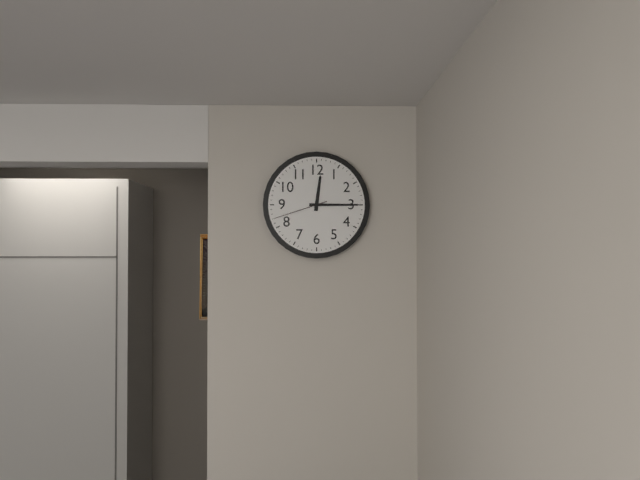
12 h 15 min 42 s
